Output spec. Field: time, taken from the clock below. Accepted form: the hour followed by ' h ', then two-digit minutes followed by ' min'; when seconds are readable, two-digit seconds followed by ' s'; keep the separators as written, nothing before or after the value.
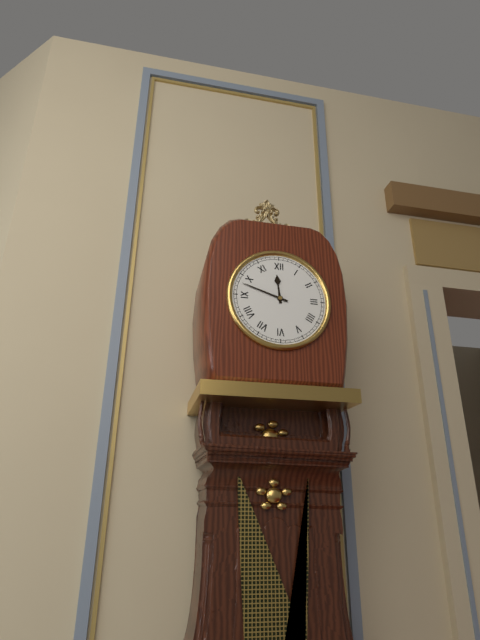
11 h 48 min
